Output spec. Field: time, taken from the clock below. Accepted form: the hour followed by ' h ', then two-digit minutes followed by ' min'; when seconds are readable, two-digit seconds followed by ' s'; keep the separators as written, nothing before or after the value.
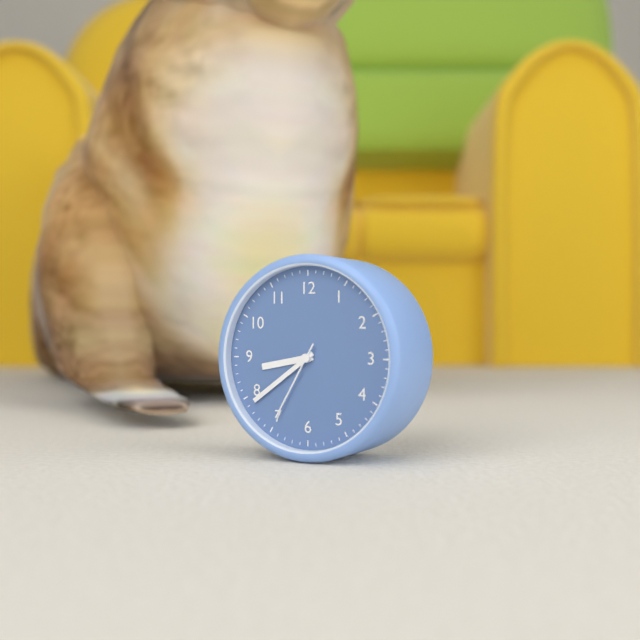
8 h 39 min 35 s
